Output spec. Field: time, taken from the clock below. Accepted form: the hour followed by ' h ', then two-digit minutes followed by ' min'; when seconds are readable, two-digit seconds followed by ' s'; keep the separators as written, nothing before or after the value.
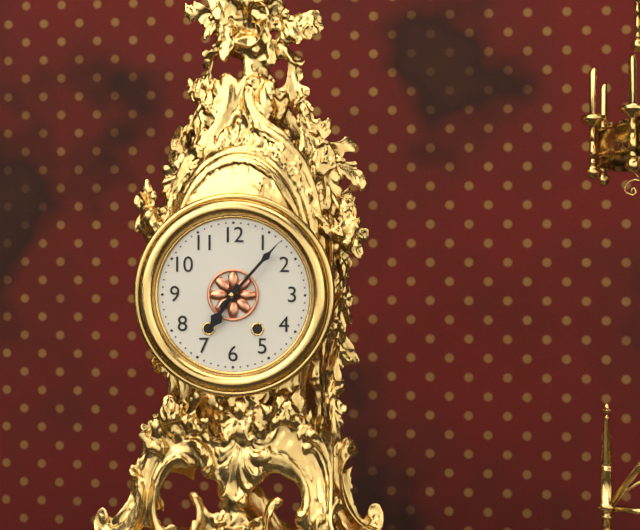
7 h 07 min
